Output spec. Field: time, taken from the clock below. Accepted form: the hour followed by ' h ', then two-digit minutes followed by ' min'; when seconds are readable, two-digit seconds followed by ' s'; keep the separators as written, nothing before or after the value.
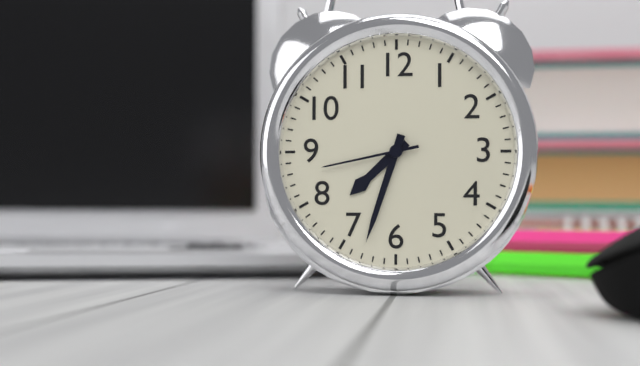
7 h 33 min 43 s
